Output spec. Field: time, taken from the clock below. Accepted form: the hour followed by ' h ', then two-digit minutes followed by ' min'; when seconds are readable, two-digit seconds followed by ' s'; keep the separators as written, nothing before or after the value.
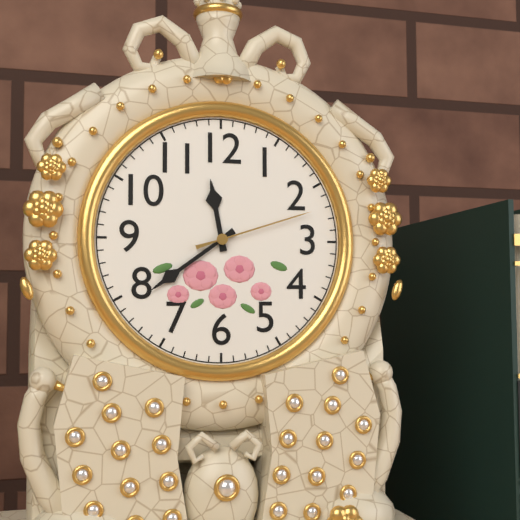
11 h 39 min 12 s
